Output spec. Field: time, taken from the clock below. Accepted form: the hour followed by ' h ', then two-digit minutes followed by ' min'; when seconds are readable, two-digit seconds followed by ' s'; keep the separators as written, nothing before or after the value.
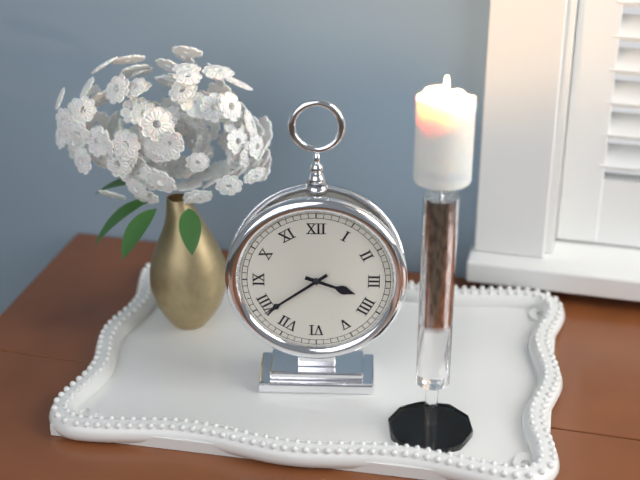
3 h 39 min
